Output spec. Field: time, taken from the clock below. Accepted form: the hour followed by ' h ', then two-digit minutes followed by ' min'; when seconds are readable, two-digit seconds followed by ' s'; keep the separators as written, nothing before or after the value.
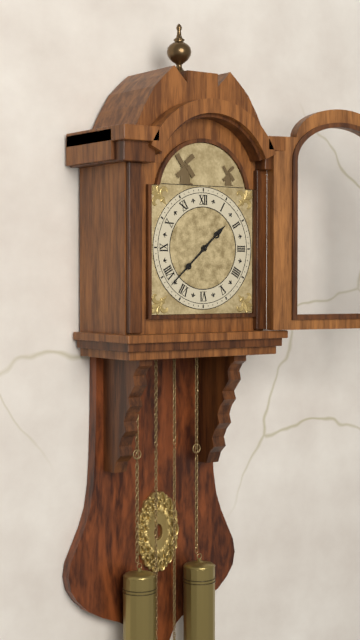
1 h 38 min
